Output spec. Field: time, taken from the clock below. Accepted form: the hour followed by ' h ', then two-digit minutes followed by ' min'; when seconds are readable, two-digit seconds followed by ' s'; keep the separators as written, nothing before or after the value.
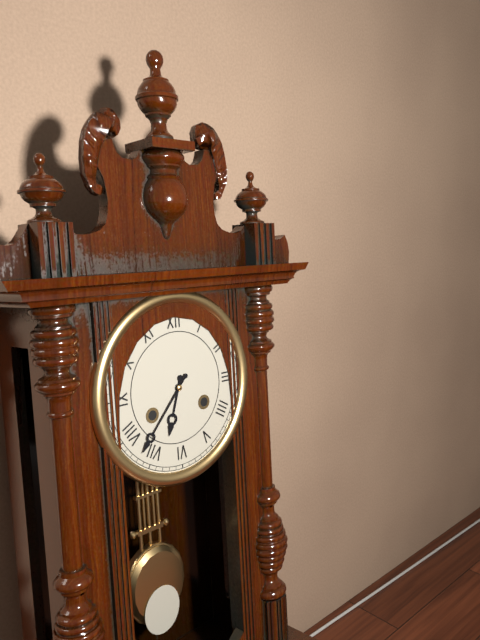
6 h 37 min
